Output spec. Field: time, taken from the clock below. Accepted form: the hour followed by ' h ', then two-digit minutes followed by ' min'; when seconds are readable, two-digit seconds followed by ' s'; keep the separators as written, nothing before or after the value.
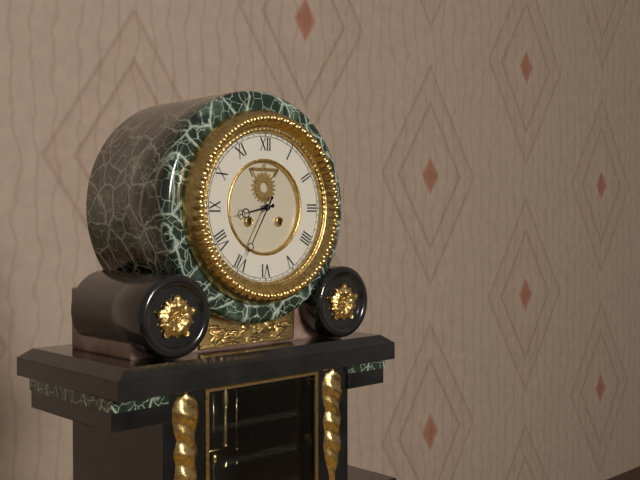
8 h 35 min
